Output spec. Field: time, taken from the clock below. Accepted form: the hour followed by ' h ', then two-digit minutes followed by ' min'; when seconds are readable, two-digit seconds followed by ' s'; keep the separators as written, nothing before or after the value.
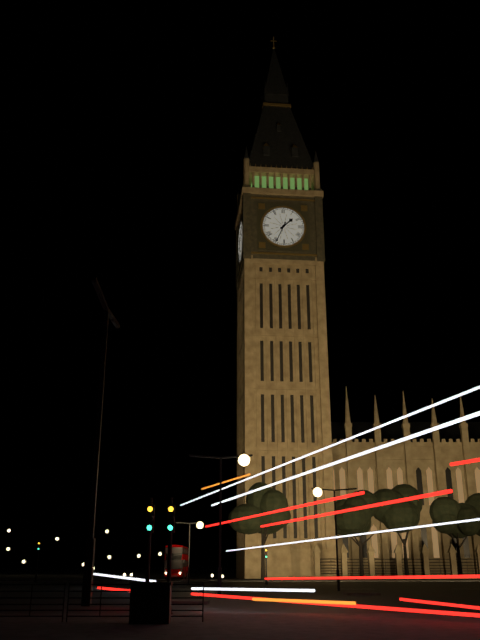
1 h 34 min
